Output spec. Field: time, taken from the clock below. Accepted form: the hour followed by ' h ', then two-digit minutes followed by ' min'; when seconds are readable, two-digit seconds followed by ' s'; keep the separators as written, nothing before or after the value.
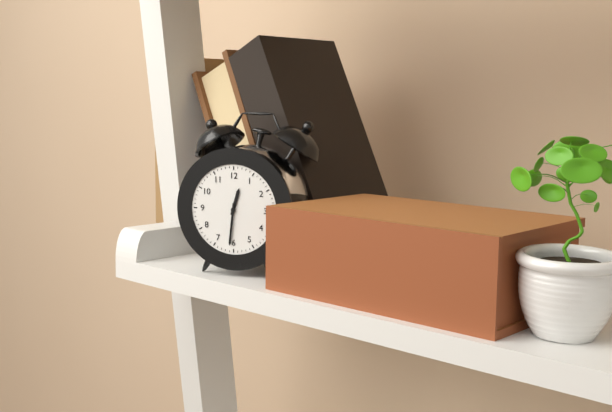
12 h 31 min
